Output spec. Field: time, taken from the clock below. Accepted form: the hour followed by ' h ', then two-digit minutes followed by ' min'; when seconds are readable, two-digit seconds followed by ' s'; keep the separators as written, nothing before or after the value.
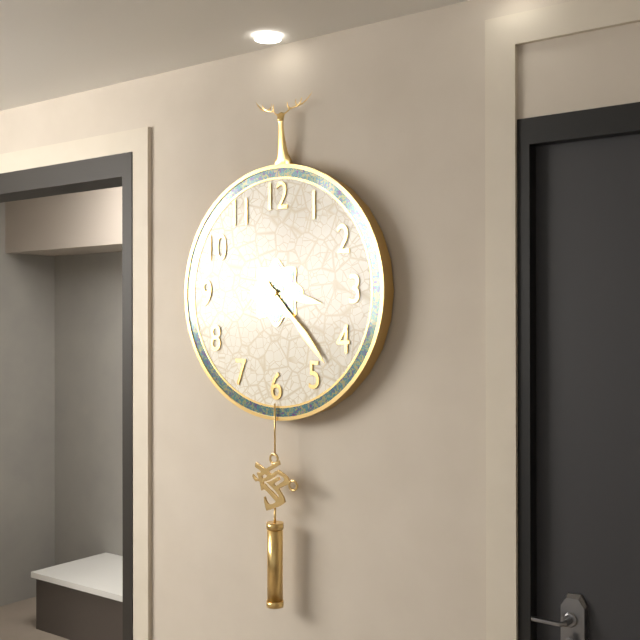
3 h 23 min
